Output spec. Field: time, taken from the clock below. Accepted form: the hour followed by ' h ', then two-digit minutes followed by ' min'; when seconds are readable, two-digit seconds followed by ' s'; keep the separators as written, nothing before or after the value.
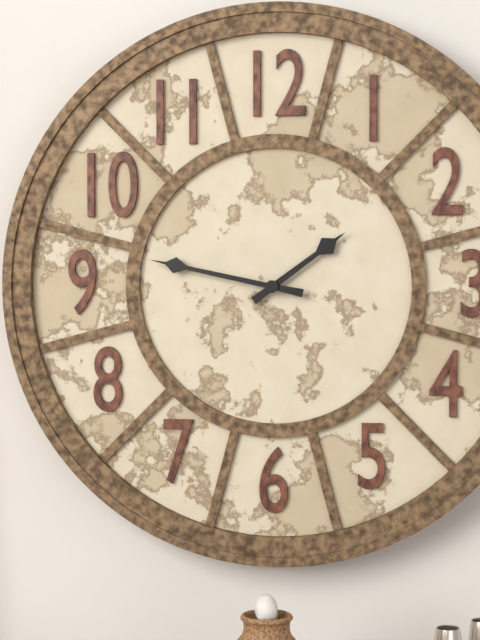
1 h 47 min
